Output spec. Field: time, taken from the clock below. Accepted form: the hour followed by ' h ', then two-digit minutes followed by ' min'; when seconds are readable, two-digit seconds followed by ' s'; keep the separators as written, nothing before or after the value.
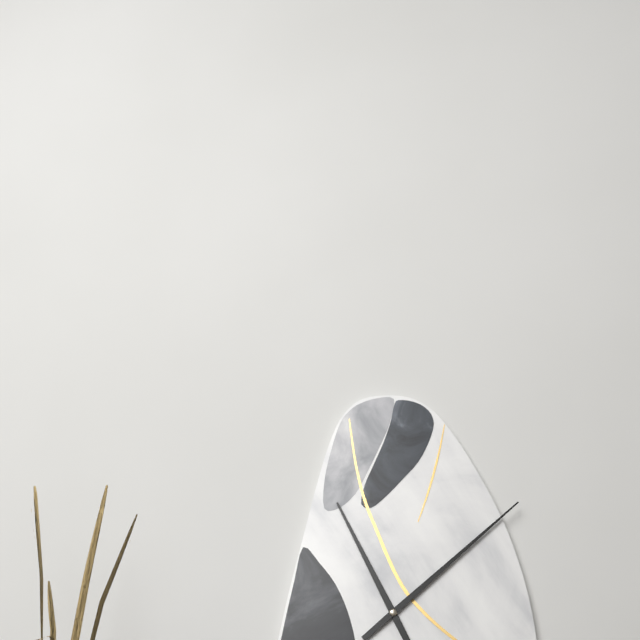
11 h 08 min
